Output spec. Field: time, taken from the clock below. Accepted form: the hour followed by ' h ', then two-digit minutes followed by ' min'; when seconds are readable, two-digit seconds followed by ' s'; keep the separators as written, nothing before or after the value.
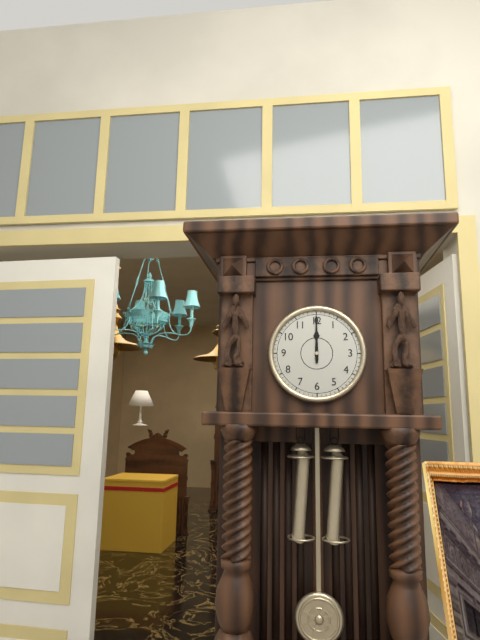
12 h 00 min
